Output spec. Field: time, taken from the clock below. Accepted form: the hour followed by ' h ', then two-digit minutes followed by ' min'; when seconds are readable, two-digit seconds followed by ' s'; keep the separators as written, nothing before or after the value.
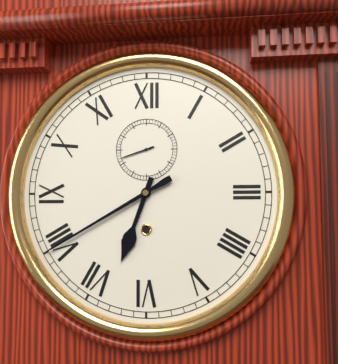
6 h 40 min
